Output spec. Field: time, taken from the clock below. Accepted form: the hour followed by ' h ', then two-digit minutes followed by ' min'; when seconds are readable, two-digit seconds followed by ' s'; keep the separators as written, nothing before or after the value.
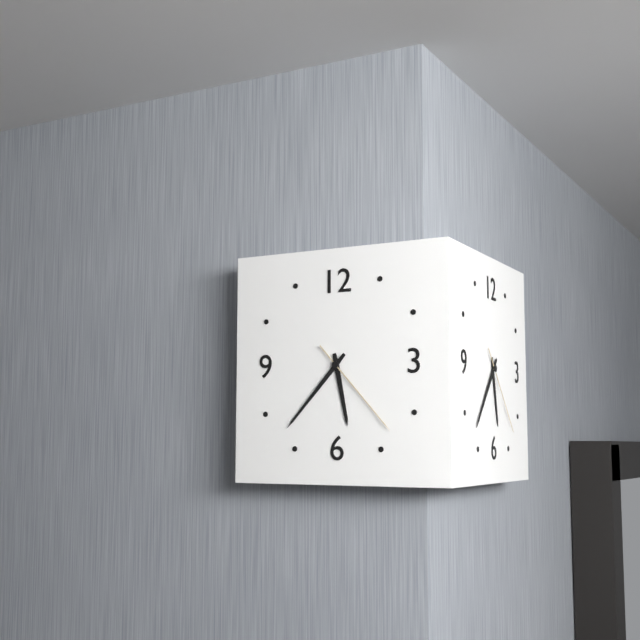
5 h 37 min 23 s
